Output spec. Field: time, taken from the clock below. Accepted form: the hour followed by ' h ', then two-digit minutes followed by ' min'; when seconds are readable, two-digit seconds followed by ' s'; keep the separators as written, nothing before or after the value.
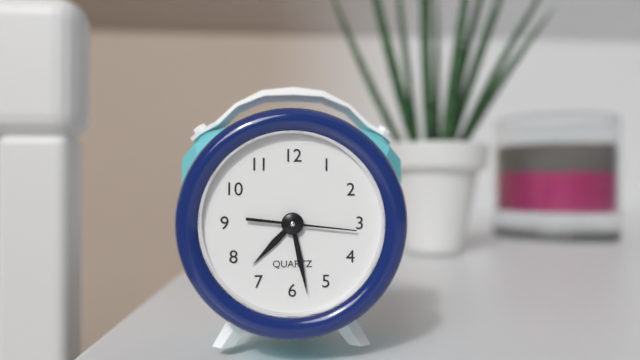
7 h 28 min 16 s
